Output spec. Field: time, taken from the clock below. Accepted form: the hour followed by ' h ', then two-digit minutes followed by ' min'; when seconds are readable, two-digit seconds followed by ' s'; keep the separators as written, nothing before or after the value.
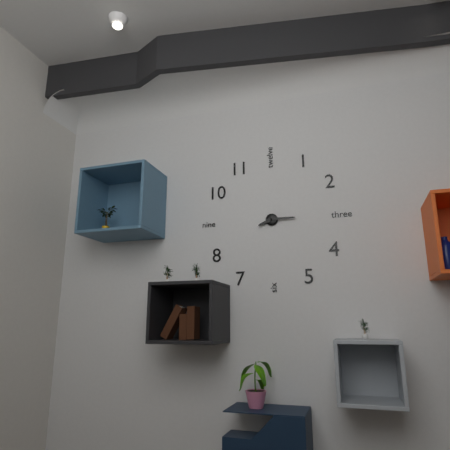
8 h 15 min
